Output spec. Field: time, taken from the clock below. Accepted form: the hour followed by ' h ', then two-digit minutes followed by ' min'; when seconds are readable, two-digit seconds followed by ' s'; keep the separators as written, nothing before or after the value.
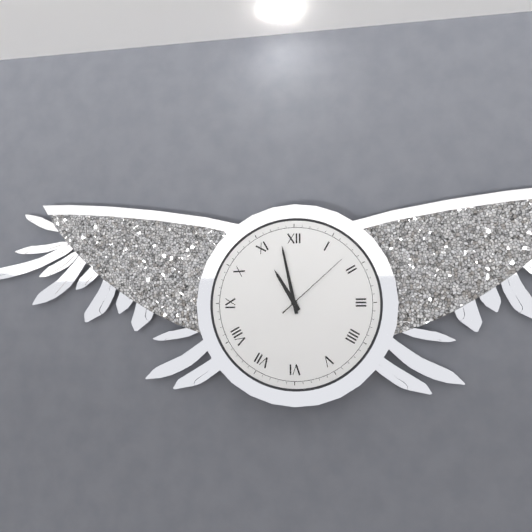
10 h 58 min 08 s
